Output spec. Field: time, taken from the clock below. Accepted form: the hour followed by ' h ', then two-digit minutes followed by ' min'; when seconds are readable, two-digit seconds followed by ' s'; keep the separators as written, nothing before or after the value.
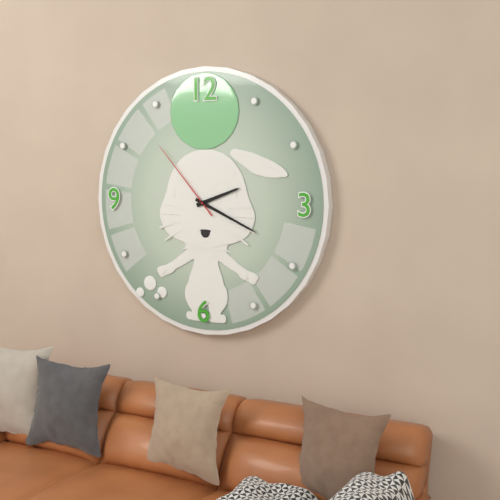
2 h 19 min 53 s
